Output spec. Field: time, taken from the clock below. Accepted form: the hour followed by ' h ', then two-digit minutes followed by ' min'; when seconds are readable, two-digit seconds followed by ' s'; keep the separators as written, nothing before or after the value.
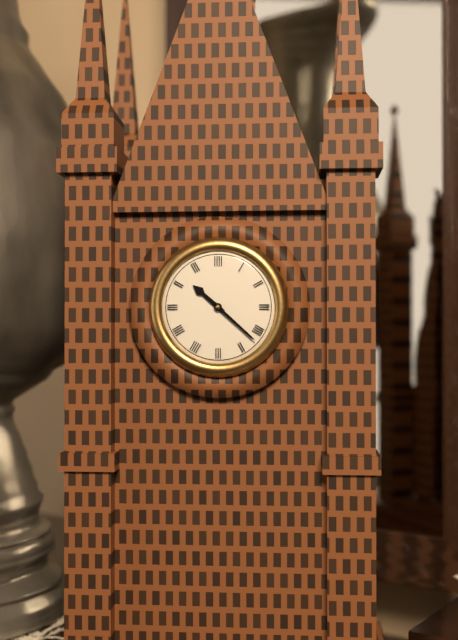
10 h 22 min
